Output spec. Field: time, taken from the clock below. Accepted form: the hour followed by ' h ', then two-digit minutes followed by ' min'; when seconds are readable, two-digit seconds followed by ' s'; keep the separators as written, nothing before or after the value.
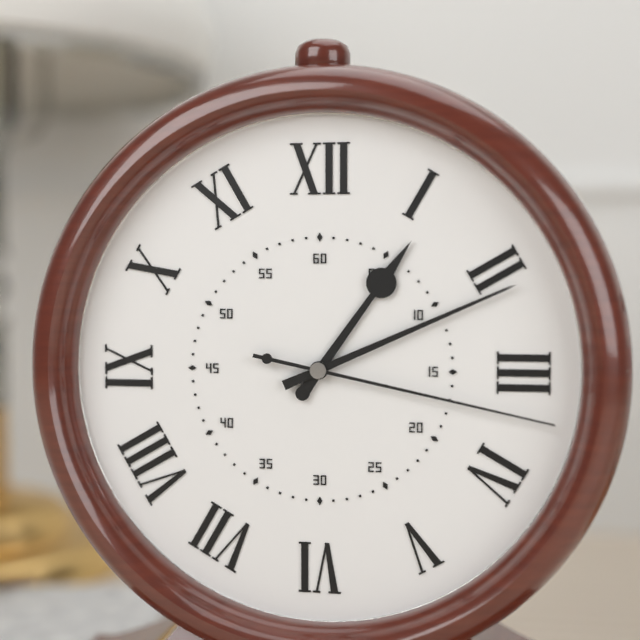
1 h 11 min 17 s
